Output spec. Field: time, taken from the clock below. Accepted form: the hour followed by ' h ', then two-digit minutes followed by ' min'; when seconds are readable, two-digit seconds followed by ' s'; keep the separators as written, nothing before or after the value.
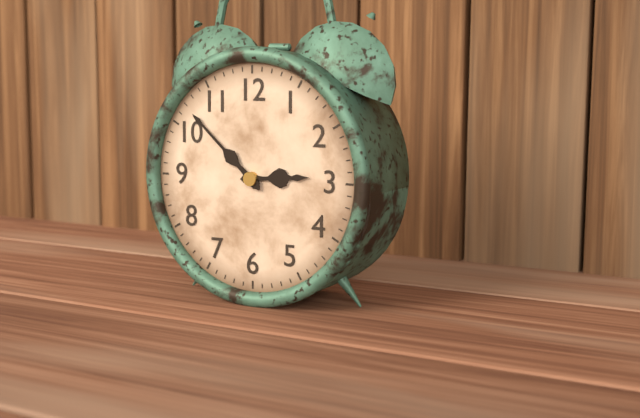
2 h 52 min
